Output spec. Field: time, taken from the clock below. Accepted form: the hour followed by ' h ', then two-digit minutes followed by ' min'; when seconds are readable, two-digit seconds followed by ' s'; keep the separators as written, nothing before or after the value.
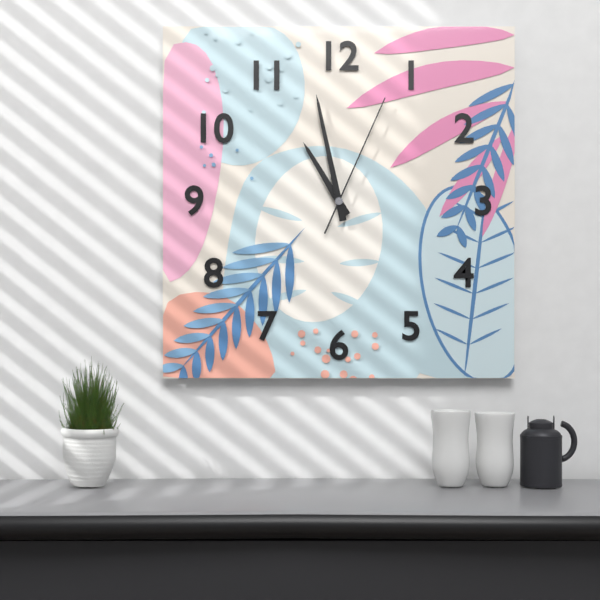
10 h 58 min 04 s
